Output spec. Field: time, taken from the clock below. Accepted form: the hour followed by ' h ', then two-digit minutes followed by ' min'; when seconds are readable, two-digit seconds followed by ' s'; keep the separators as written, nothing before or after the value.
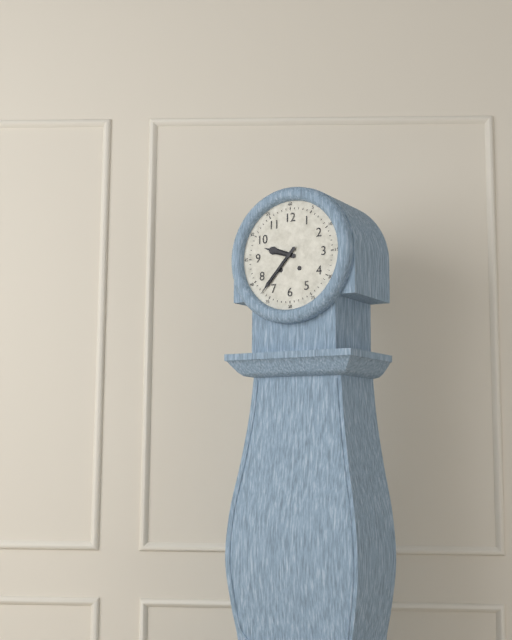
9 h 37 min
